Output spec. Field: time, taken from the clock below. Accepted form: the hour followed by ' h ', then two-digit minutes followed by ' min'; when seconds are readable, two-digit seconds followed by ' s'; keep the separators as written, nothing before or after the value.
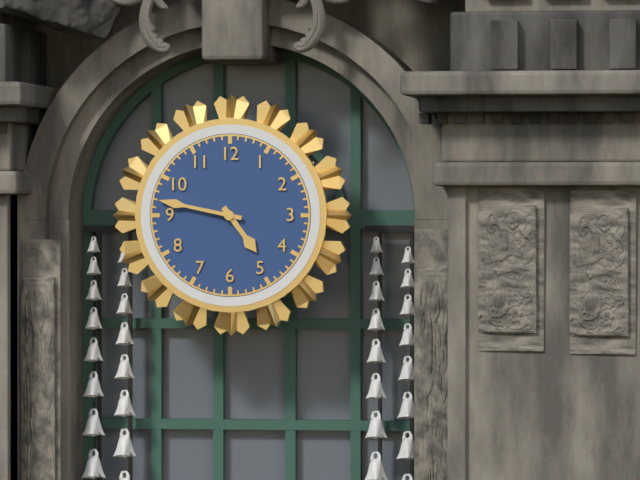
4 h 47 min
